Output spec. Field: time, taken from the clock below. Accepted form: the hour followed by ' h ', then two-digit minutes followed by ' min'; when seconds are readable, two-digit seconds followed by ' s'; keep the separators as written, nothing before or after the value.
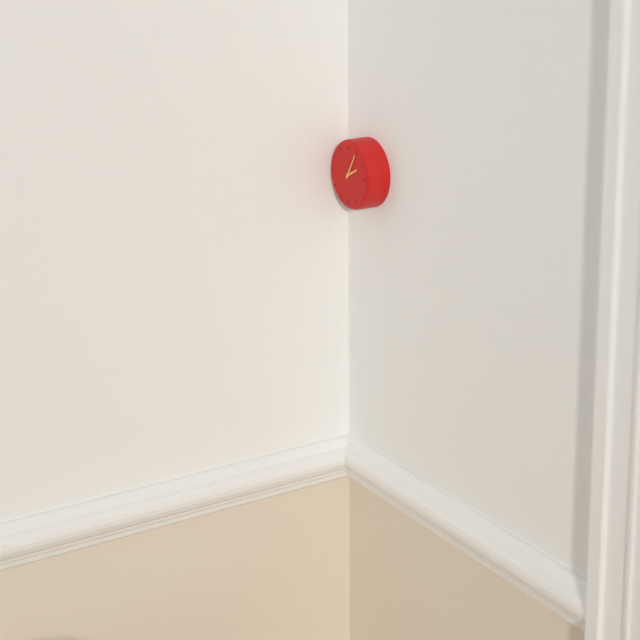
2 h 05 min
